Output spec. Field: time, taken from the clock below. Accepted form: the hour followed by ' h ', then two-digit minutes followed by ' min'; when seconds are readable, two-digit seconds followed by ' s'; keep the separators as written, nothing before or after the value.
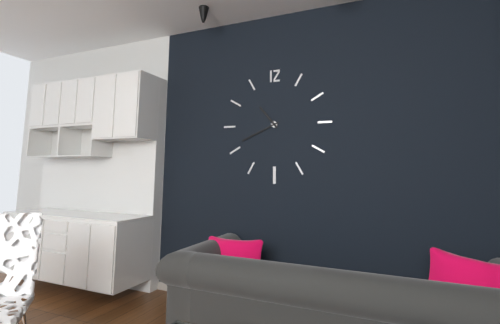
10 h 41 min
